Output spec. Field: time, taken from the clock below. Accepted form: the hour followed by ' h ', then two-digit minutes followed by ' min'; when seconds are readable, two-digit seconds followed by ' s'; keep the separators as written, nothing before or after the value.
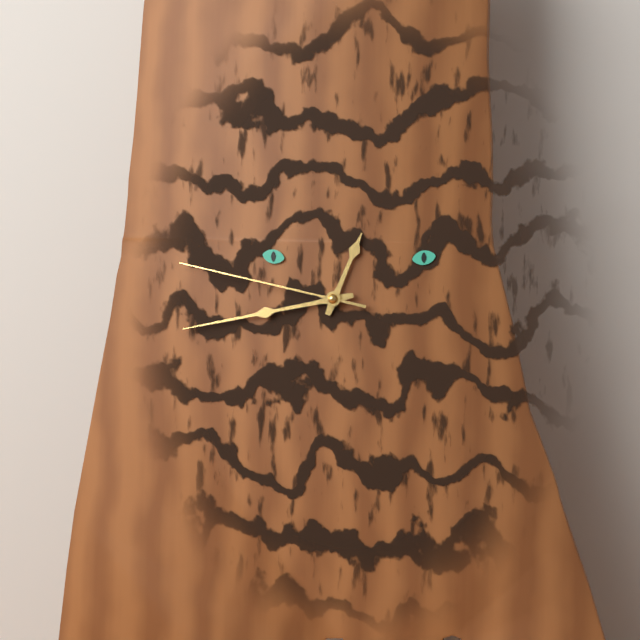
12 h 43 min 47 s
